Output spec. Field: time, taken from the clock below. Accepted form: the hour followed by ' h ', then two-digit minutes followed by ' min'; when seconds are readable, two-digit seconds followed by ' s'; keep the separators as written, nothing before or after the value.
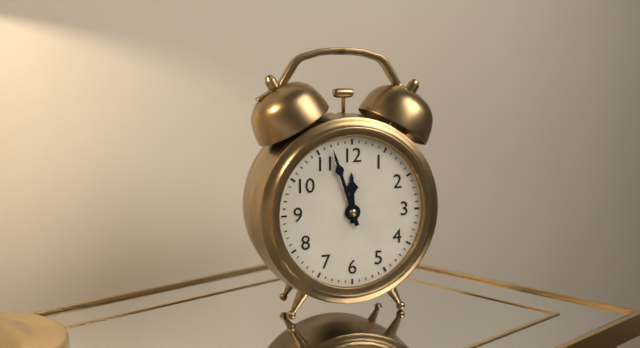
11 h 57 min
